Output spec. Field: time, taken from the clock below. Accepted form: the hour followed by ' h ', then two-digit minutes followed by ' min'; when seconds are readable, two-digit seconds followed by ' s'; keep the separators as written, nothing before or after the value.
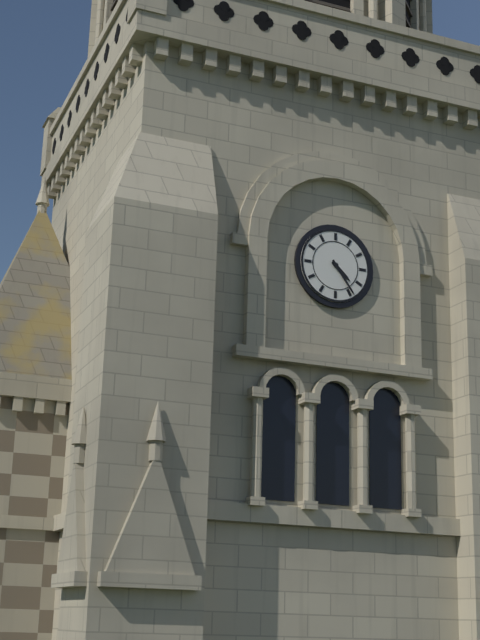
4 h 24 min
